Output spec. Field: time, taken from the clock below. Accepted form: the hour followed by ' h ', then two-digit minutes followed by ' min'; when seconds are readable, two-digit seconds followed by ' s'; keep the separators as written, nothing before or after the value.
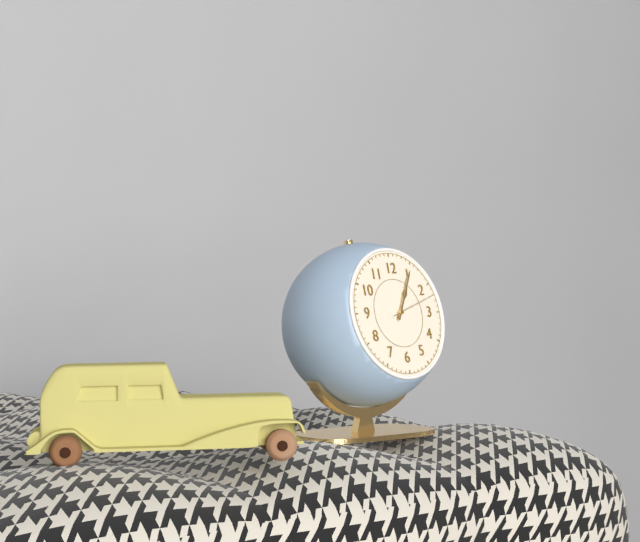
1 h 05 min 12 s
